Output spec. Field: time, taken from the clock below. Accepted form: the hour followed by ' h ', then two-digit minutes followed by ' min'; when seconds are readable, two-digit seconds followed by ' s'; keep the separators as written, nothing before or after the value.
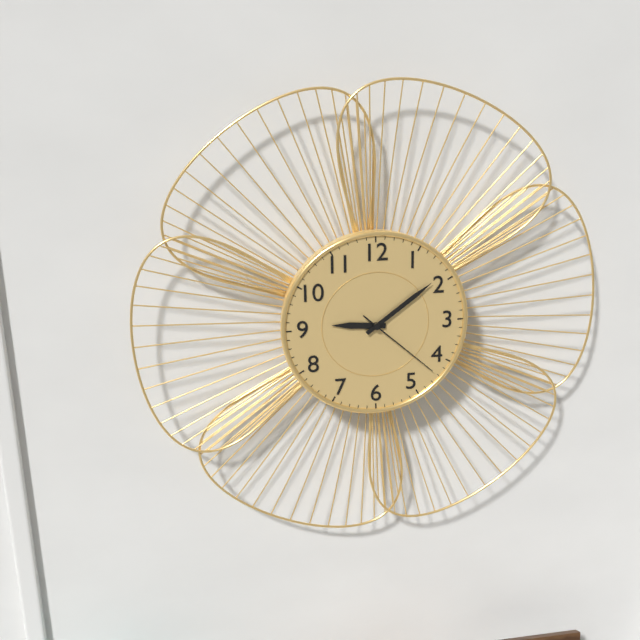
9 h 09 min 22 s
